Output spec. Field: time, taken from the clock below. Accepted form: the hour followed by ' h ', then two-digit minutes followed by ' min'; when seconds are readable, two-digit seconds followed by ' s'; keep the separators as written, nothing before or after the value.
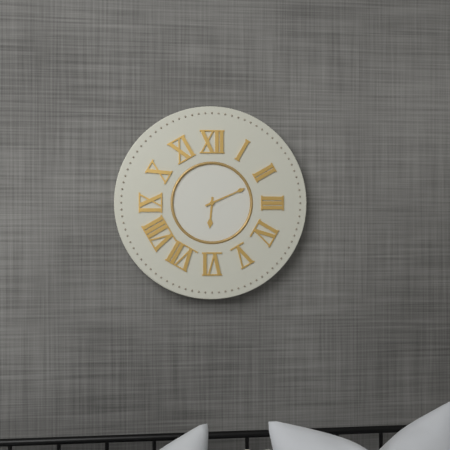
6 h 11 min
